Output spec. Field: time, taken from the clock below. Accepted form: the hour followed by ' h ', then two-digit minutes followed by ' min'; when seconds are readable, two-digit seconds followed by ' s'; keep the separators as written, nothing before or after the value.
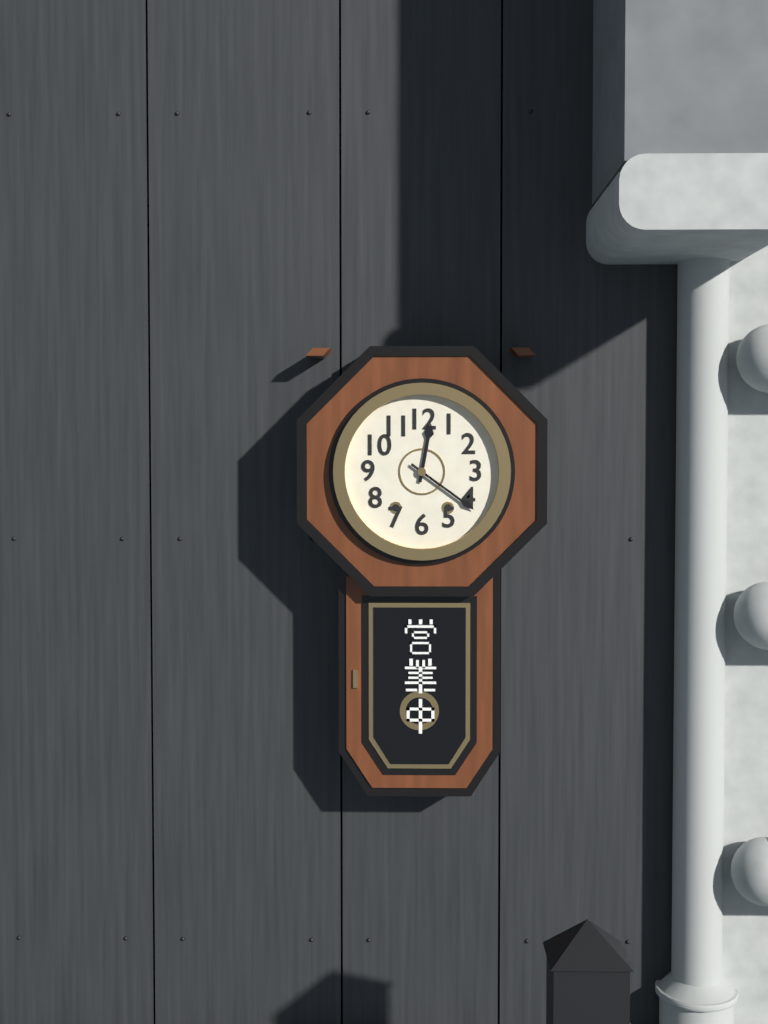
12 h 21 min
